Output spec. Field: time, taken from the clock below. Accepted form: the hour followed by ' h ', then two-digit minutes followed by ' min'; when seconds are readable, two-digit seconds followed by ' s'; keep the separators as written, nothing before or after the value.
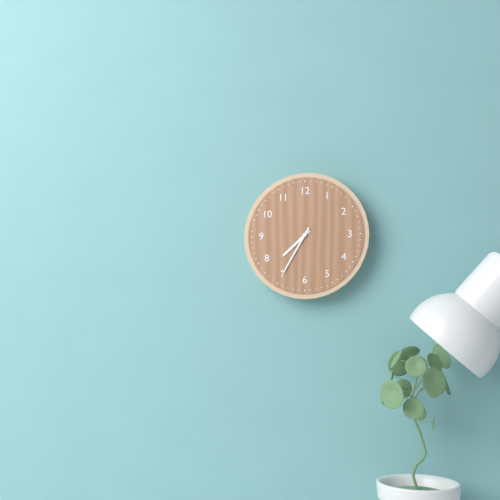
7 h 35 min
